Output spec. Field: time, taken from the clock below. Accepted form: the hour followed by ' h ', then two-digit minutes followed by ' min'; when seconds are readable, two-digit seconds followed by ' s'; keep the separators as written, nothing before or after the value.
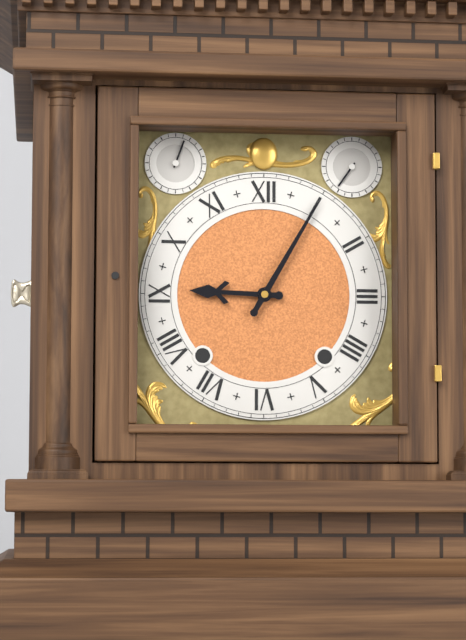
9 h 05 min
